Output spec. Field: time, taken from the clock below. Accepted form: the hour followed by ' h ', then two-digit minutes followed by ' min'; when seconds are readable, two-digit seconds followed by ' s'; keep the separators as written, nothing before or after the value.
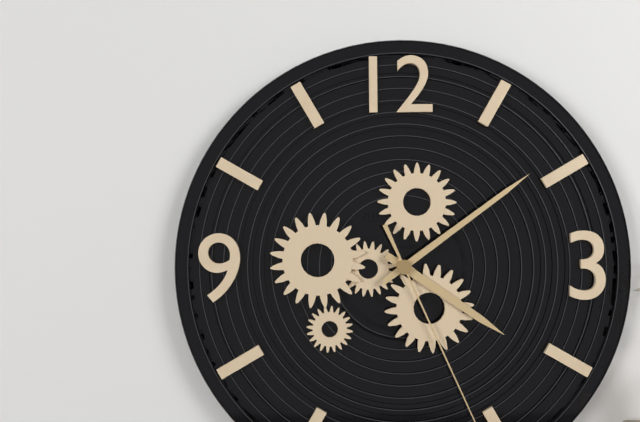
4 h 09 min
